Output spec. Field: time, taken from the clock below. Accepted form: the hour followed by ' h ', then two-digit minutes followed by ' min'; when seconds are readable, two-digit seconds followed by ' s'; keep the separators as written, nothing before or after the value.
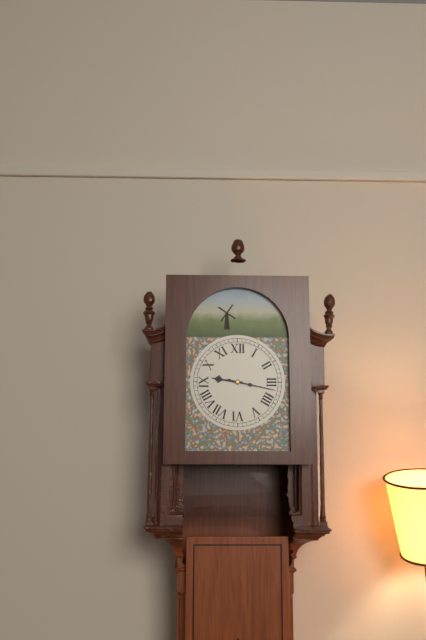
9 h 17 min
